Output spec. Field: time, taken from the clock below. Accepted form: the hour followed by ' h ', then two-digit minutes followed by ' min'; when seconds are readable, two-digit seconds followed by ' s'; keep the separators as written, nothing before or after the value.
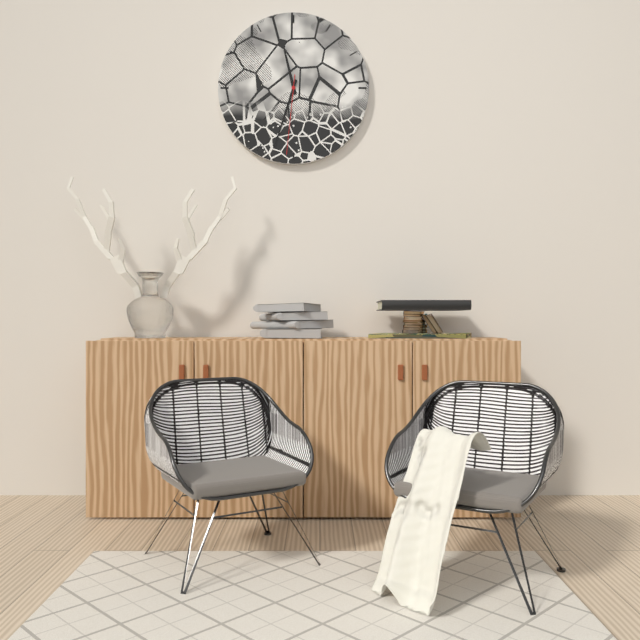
11 h 33 min 31 s
